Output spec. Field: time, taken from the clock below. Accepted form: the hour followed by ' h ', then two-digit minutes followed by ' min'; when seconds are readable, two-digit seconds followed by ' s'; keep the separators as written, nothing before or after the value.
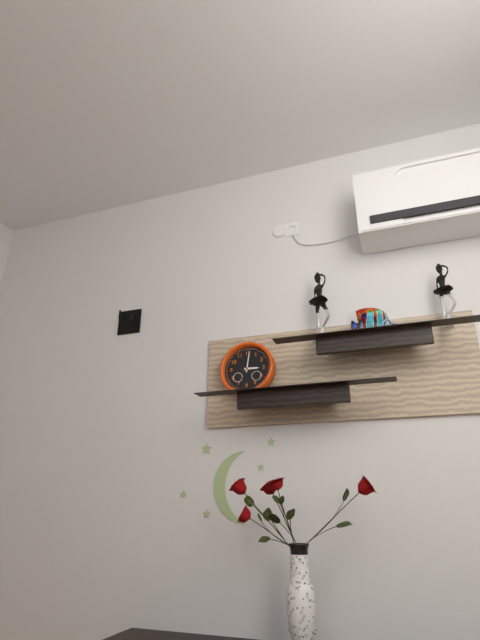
3 h 01 min
